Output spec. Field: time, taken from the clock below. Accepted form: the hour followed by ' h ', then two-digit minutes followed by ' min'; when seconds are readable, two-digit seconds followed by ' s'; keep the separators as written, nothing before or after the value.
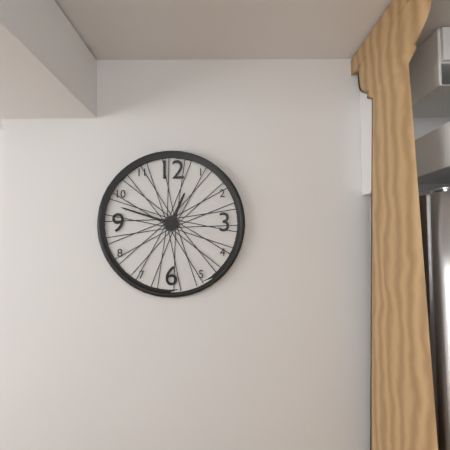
12 h 48 min
